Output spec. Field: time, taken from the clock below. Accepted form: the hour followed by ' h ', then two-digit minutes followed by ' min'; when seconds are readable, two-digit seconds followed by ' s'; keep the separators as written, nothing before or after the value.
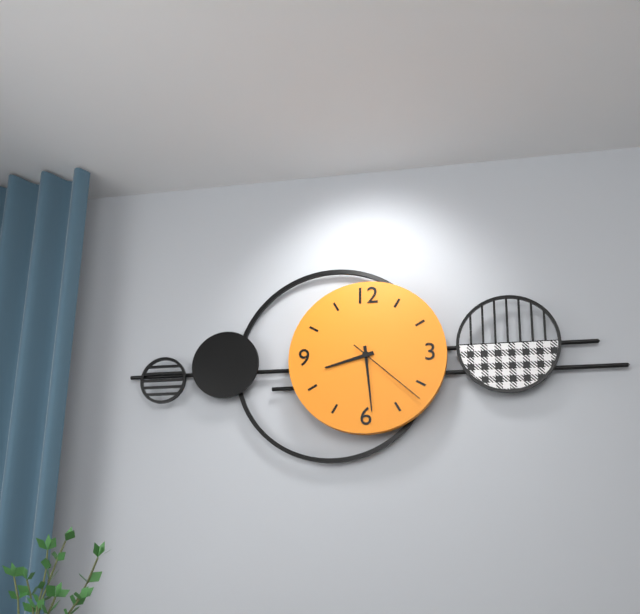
8 h 29 min 22 s
